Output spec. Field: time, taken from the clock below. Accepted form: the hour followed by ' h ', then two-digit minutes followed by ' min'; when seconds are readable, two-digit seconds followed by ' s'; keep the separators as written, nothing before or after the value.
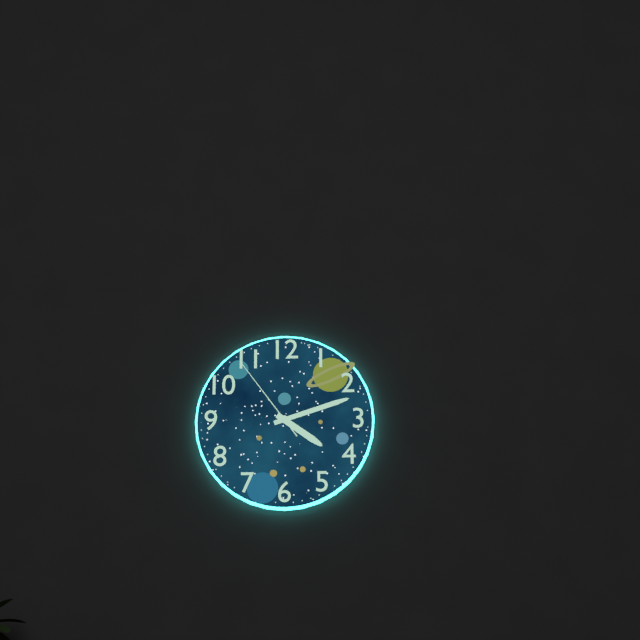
4 h 12 min 54 s
